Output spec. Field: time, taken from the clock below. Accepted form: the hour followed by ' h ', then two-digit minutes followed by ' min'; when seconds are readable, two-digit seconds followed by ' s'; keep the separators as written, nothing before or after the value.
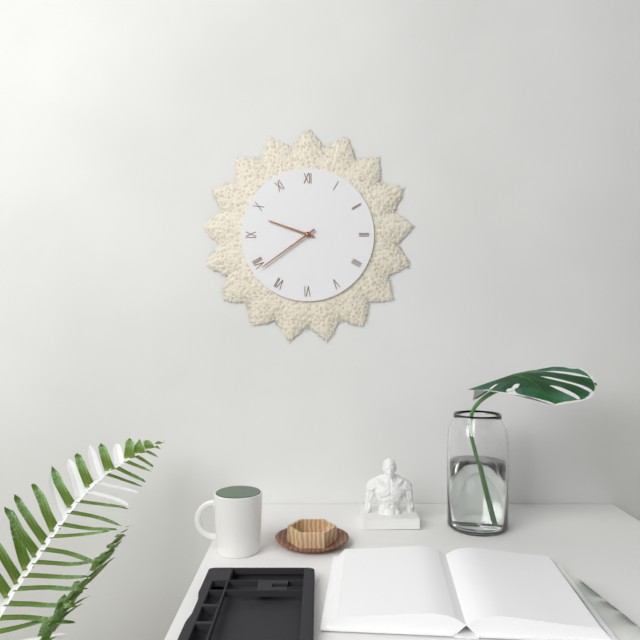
9 h 39 min
